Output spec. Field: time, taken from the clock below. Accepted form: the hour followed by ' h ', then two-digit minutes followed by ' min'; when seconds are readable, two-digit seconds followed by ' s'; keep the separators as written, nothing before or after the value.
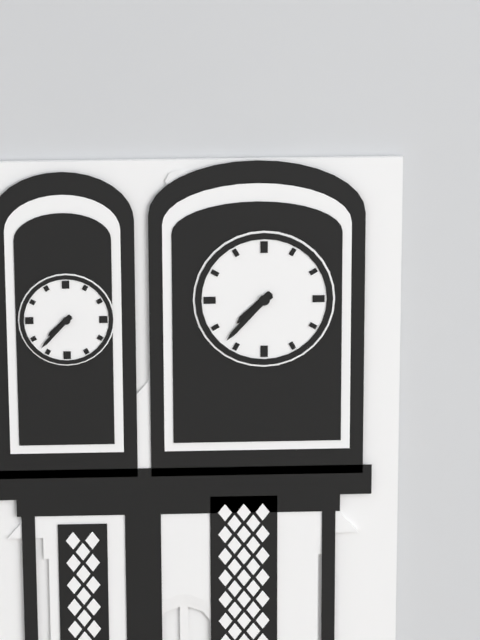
7 h 37 min
